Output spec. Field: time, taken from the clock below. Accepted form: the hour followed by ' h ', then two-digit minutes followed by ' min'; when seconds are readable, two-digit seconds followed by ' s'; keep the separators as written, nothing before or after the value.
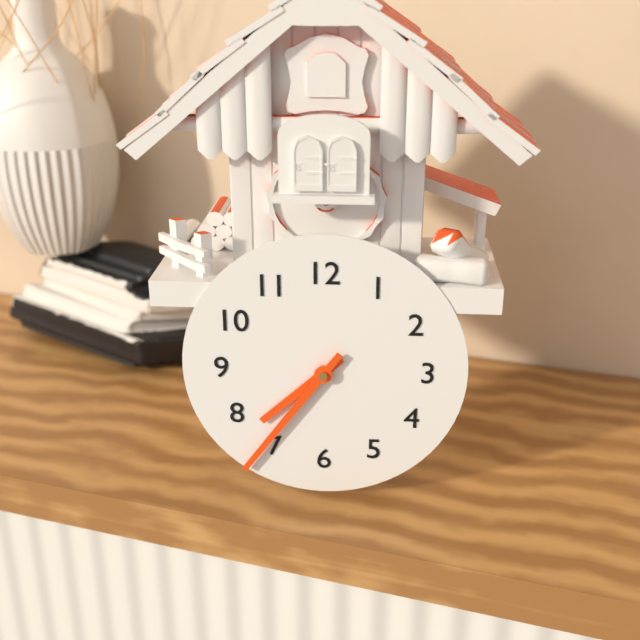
7 h 36 min
